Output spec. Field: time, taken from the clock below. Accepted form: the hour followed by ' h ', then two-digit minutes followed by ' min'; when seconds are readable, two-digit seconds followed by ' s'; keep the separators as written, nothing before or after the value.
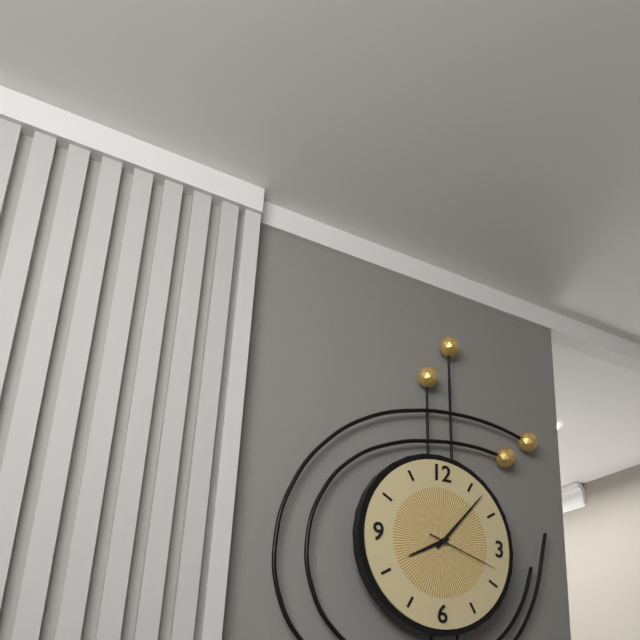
8 h 07 min 18 s
